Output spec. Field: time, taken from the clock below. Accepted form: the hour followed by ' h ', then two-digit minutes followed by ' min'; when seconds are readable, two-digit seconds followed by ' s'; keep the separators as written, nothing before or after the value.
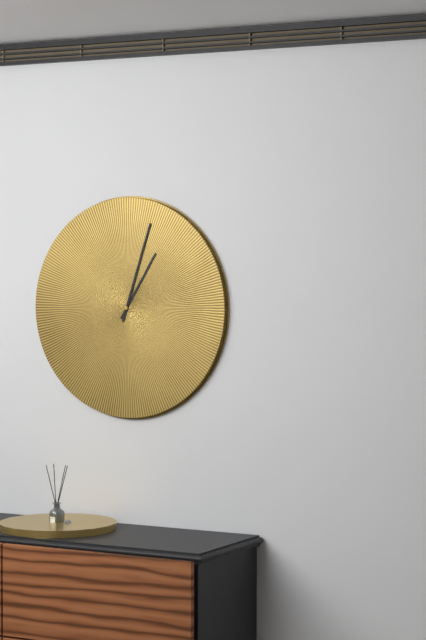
1 h 03 min
